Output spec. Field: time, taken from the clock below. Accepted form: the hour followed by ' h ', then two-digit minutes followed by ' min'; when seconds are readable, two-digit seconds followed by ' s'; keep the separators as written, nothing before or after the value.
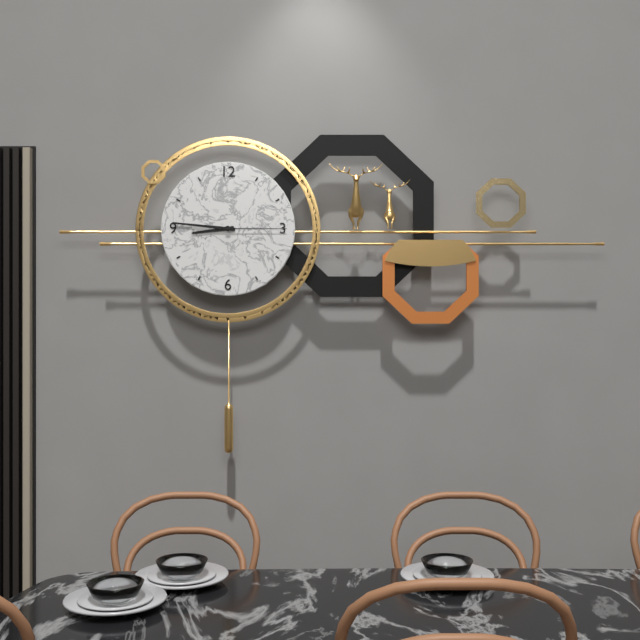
8 h 46 min 15 s
